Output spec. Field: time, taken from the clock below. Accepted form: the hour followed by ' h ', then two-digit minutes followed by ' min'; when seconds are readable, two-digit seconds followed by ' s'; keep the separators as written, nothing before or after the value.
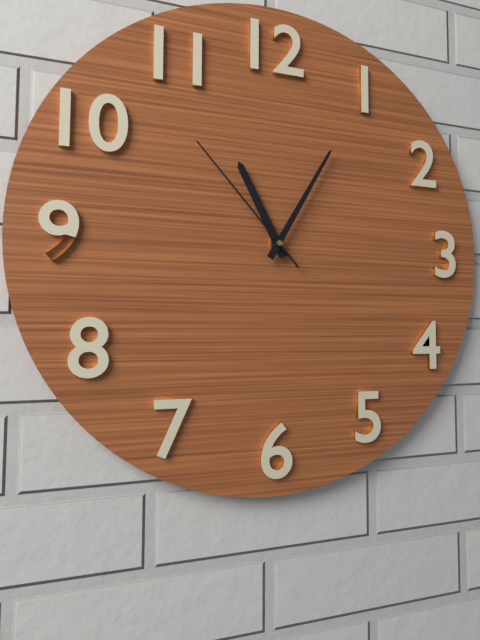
11 h 05 min 53 s
